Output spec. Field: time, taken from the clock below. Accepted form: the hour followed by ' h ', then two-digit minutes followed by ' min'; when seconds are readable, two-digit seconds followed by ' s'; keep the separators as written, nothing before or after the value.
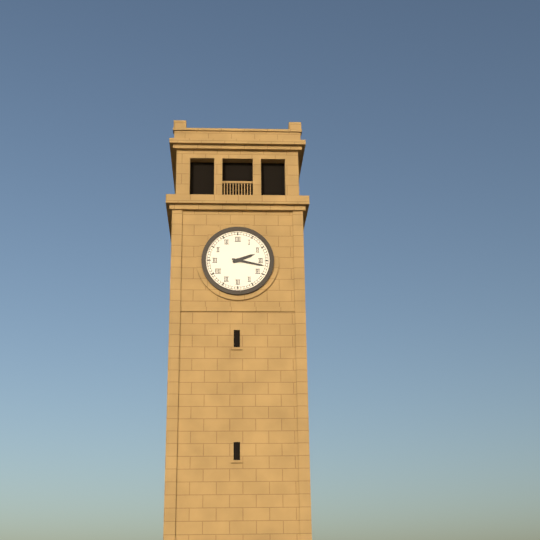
2 h 17 min
